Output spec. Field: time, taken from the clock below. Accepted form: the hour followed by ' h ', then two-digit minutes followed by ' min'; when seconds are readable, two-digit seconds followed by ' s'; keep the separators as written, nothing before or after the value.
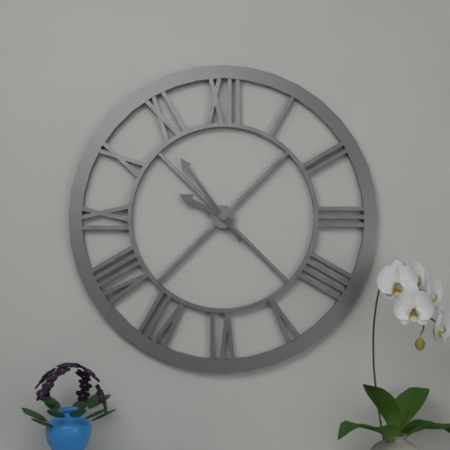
9 h 54 min
